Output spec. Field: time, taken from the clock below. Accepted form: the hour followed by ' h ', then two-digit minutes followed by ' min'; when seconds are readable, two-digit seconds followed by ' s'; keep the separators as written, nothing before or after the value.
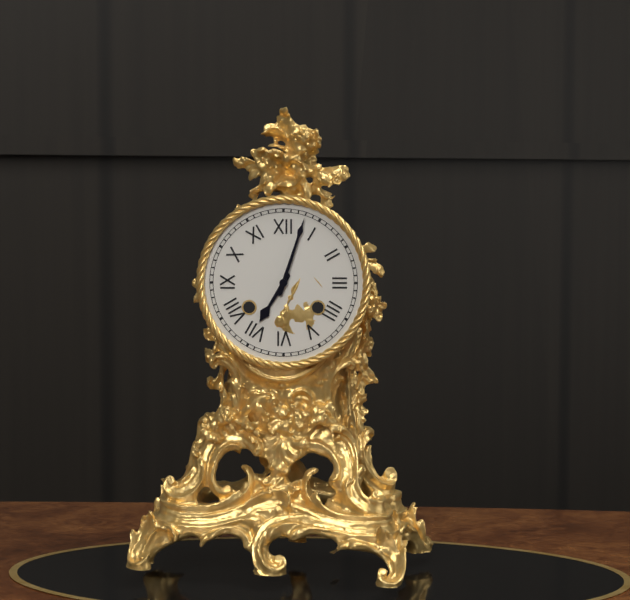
7 h 03 min
